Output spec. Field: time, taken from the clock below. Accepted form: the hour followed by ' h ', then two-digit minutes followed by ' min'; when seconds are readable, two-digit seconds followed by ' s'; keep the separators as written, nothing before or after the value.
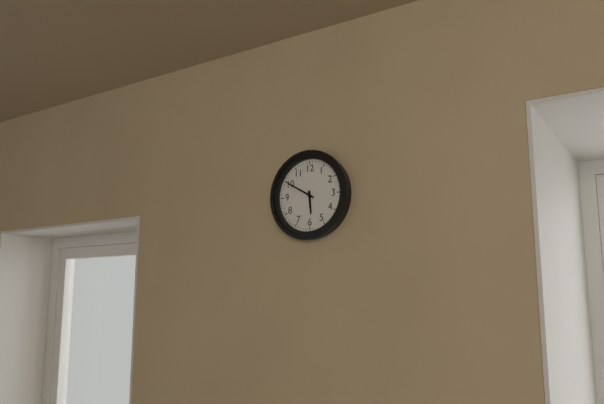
5 h 50 min
